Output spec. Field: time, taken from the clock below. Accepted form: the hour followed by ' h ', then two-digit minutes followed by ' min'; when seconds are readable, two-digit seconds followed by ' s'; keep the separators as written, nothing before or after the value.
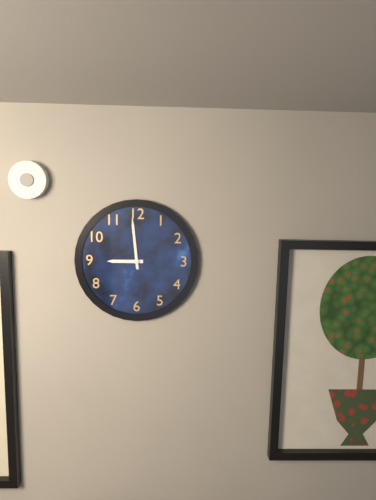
8 h 59 min
